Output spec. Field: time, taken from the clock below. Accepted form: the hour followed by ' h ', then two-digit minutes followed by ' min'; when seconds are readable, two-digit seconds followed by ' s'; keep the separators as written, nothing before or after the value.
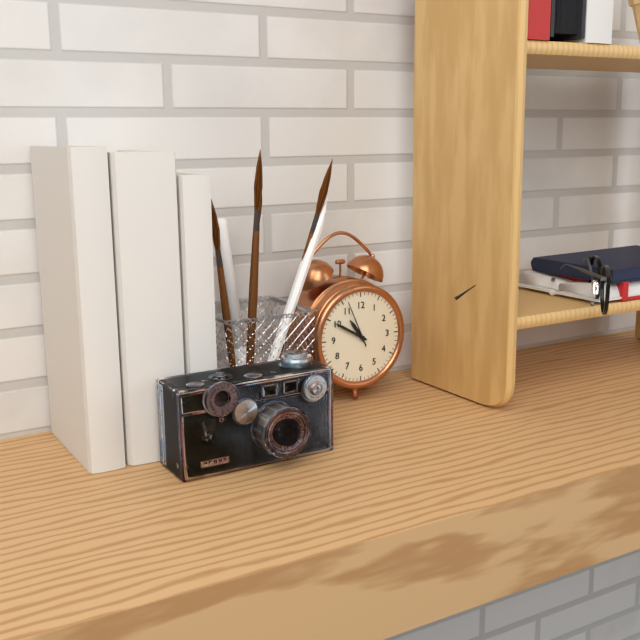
10 h 50 min
